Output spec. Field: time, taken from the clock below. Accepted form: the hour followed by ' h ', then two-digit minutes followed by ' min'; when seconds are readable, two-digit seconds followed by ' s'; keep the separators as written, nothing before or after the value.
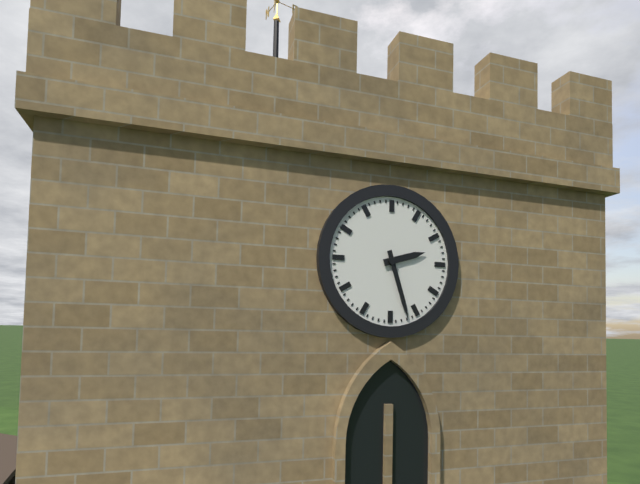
2 h 27 min
